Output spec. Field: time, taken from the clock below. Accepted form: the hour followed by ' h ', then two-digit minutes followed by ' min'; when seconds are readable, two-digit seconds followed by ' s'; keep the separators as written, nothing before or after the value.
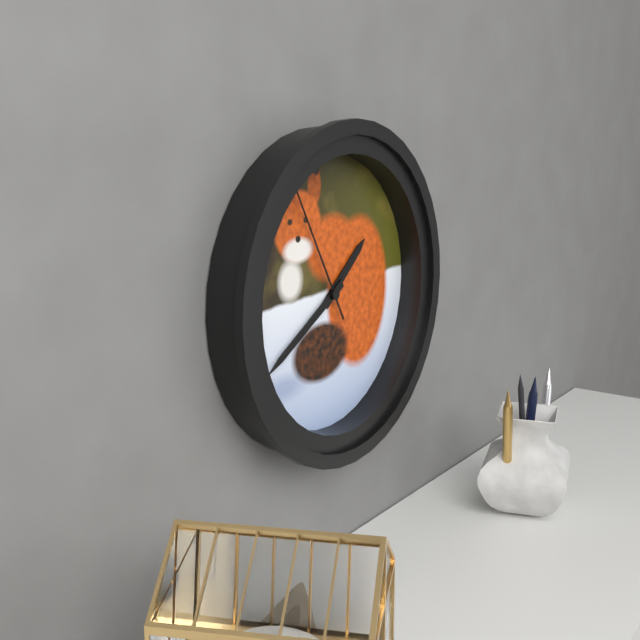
1 h 40 min 55 s
